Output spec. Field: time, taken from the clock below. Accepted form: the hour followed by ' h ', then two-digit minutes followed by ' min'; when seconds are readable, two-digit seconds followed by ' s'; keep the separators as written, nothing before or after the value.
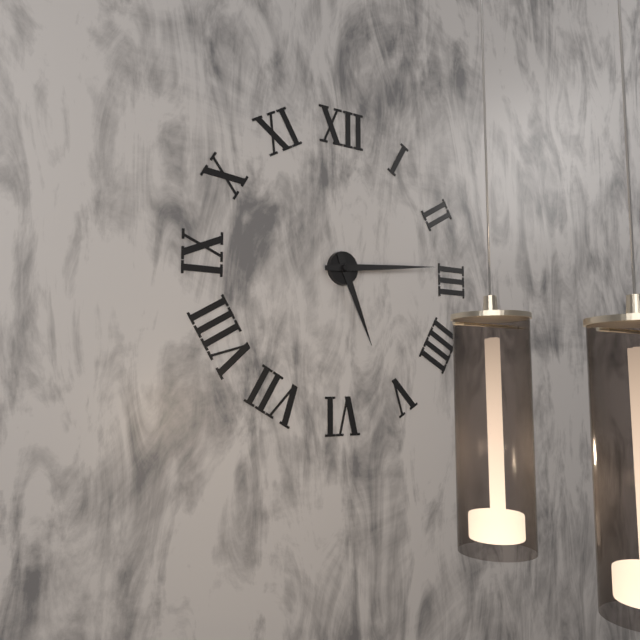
5 h 14 min
